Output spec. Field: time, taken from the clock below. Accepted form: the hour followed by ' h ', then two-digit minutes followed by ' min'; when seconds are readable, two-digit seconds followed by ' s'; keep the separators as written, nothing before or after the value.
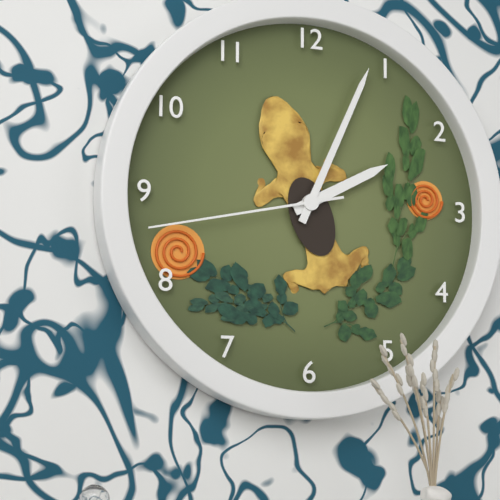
2 h 04 min 43 s
